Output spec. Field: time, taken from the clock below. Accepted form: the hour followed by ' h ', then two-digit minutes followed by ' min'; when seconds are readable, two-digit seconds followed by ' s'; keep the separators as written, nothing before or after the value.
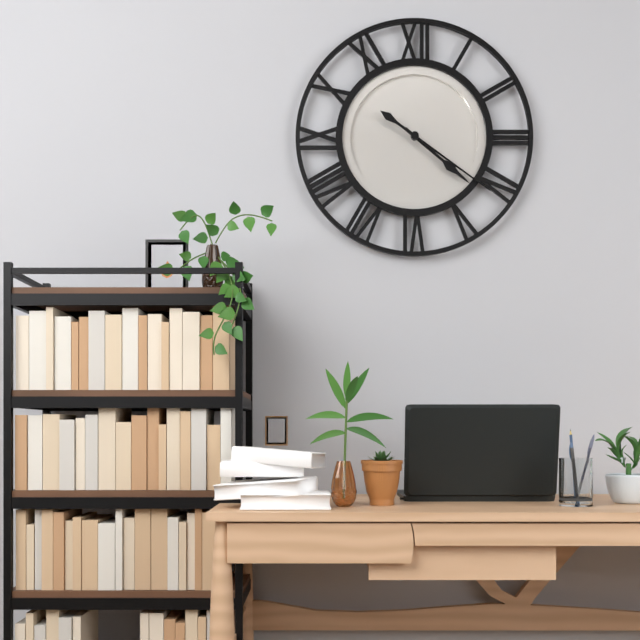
4 h 21 min
